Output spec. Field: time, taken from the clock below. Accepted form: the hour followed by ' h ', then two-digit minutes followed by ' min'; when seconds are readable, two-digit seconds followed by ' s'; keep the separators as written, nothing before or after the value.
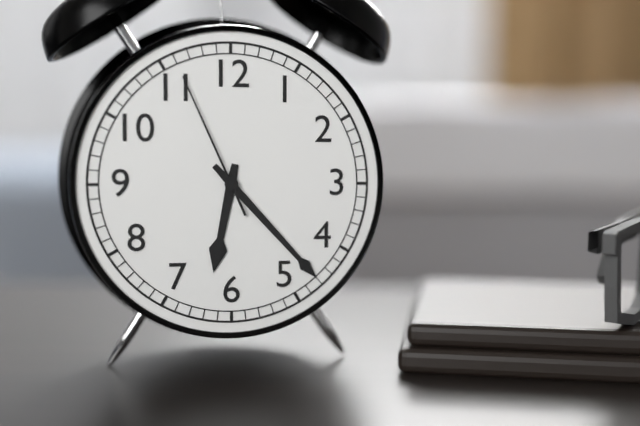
6 h 23 min 56 s
